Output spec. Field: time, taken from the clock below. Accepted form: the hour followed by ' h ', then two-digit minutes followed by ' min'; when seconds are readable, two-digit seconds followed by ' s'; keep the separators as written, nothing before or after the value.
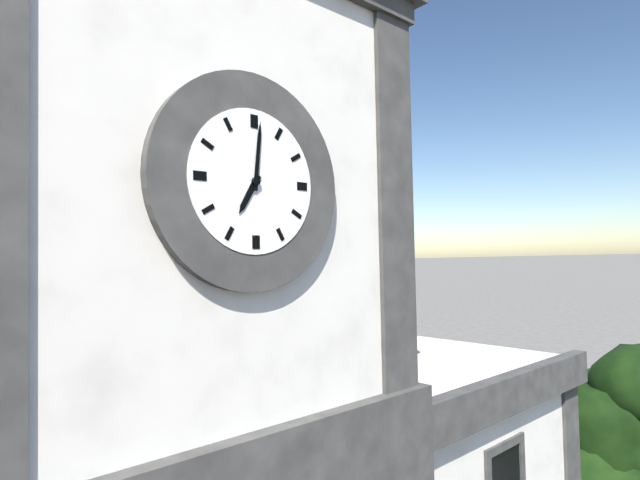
7 h 01 min
